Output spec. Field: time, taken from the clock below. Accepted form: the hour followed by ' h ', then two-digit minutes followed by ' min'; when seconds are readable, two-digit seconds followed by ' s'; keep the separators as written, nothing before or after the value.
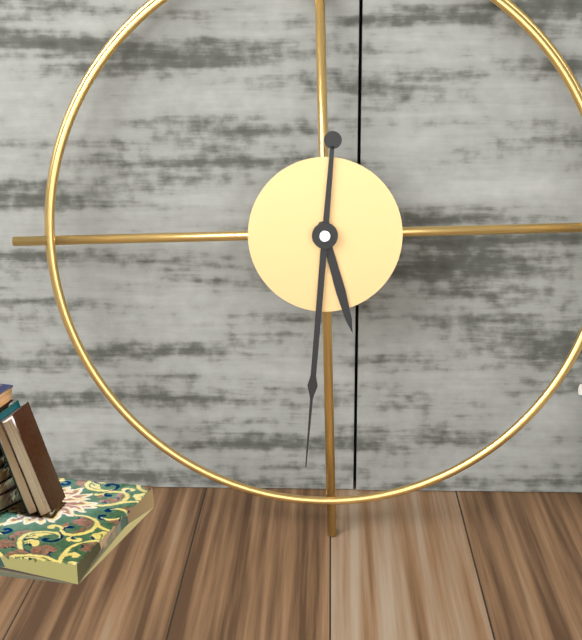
5 h 31 min
